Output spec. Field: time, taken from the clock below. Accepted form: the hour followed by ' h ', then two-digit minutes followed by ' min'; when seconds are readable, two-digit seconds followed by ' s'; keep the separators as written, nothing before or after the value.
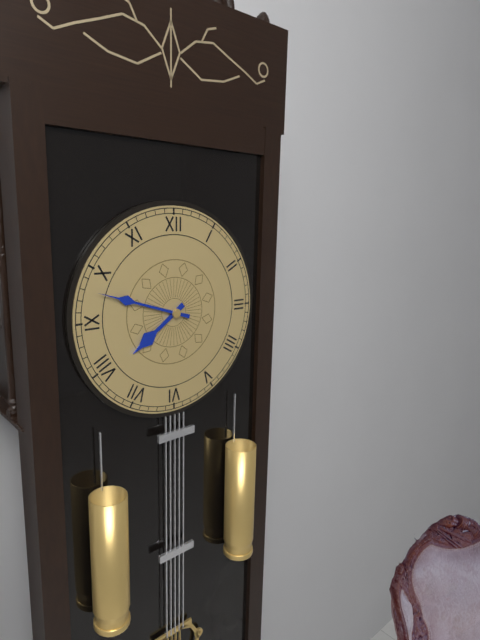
7 h 48 min
